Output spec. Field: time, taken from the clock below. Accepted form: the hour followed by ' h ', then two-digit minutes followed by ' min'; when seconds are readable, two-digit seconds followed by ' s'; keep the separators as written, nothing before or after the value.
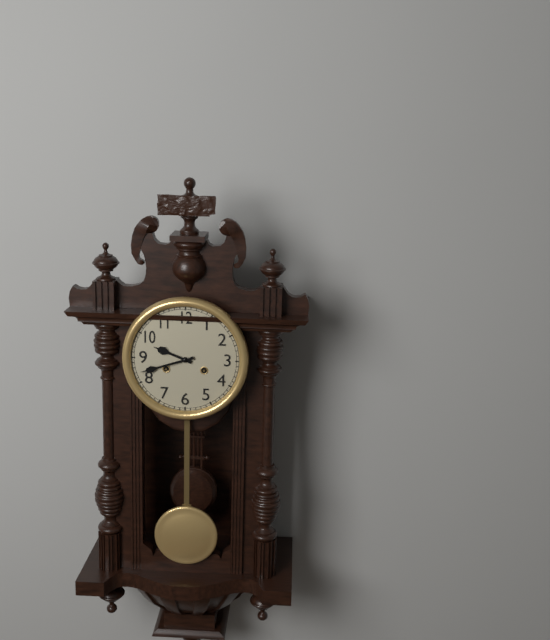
9 h 42 min
